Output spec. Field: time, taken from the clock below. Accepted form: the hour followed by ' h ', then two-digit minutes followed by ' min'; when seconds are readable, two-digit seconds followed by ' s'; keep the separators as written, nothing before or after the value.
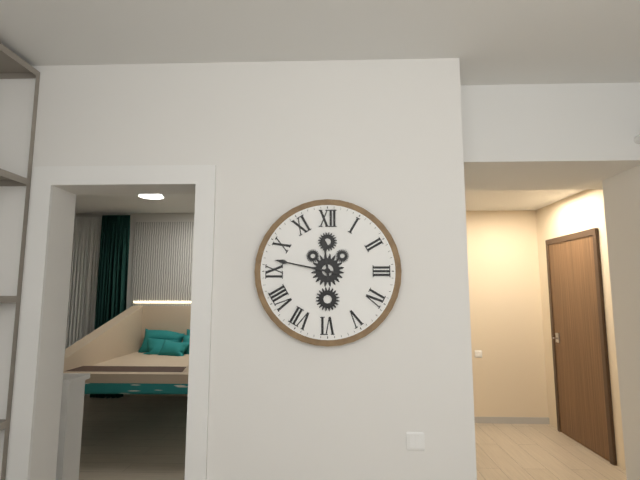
11 h 47 min
